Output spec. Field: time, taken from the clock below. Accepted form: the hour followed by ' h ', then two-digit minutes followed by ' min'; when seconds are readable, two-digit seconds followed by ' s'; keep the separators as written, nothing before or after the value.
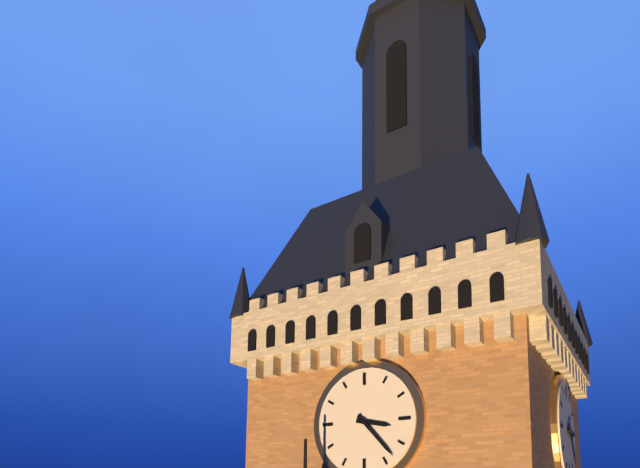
3 h 23 min
